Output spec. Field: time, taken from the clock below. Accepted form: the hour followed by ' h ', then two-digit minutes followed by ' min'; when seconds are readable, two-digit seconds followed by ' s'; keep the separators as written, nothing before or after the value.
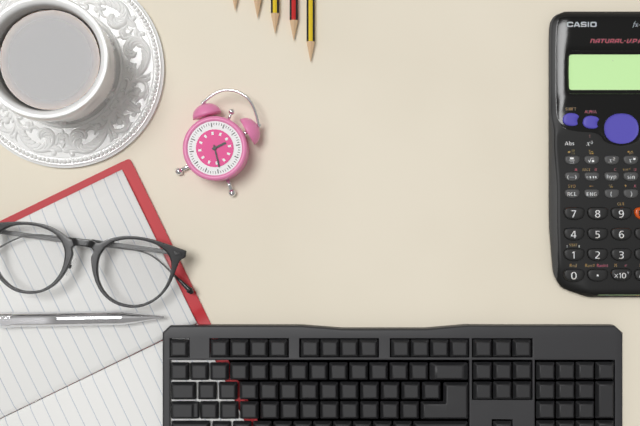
1 h 24 min
